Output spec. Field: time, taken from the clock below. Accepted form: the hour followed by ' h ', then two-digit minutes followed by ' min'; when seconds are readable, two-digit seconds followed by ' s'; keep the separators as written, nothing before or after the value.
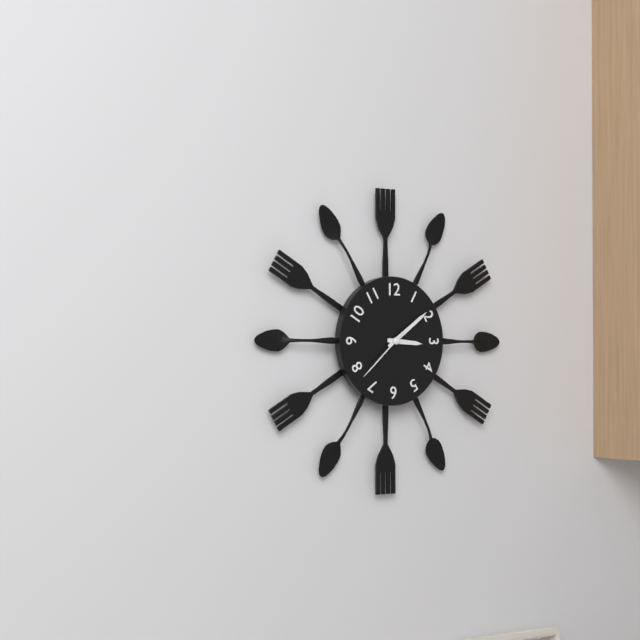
3 h 09 min 38 s
